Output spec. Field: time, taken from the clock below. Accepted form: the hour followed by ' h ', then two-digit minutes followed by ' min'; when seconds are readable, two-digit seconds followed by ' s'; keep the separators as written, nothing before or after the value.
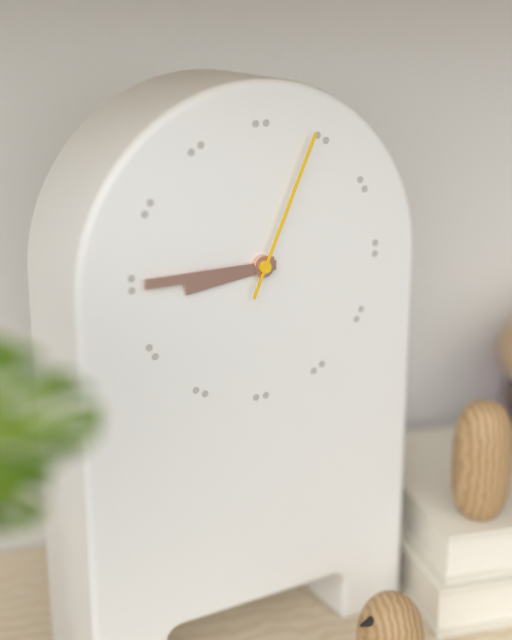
8 h 45 min 04 s
